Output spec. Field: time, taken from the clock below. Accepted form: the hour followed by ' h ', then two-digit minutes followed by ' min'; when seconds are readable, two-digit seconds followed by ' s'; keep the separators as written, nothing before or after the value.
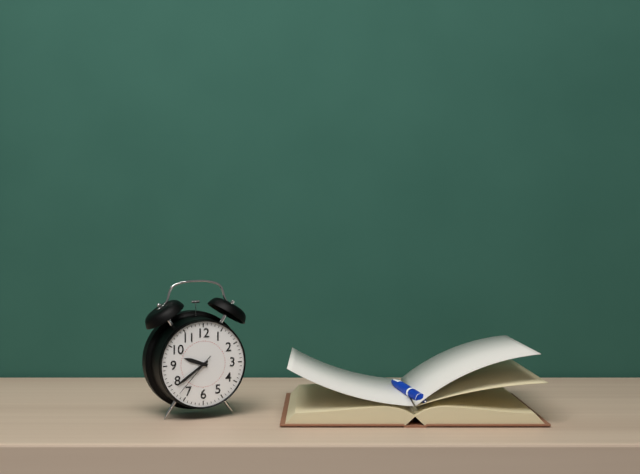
9 h 39 min
